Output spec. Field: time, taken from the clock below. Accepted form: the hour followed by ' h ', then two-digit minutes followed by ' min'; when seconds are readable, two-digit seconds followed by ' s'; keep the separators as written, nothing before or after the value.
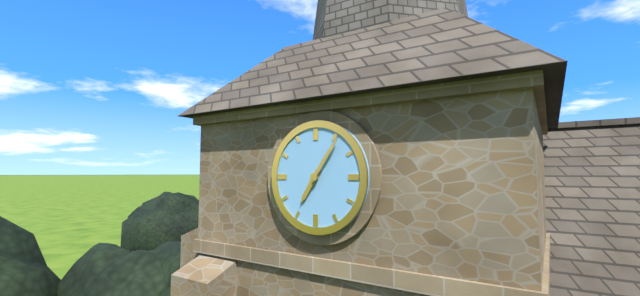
7 h 06 min
